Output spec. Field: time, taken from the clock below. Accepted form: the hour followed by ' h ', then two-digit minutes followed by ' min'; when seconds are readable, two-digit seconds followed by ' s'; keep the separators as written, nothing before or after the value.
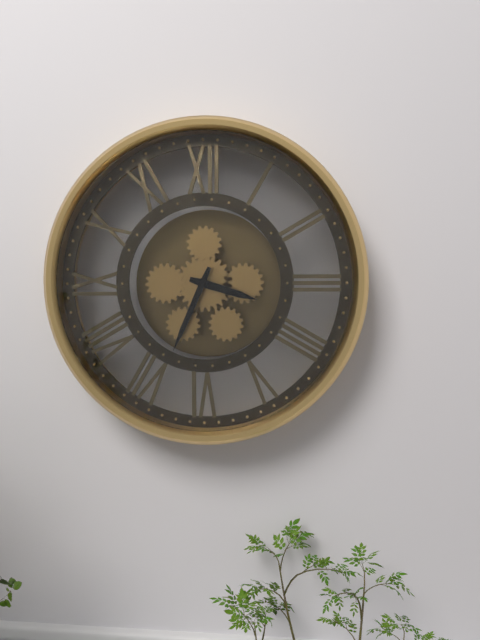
3 h 34 min
